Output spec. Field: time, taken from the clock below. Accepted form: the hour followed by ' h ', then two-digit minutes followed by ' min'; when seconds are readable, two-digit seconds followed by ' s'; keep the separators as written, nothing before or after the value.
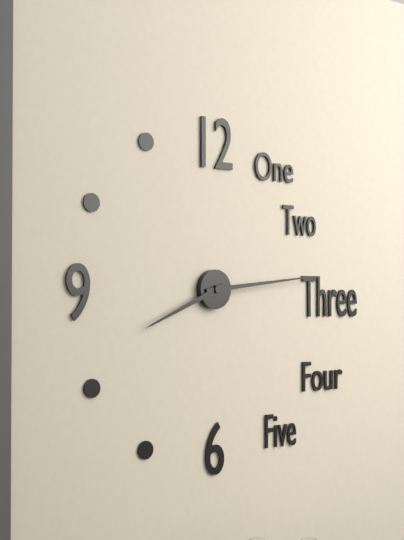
8 h 14 min
